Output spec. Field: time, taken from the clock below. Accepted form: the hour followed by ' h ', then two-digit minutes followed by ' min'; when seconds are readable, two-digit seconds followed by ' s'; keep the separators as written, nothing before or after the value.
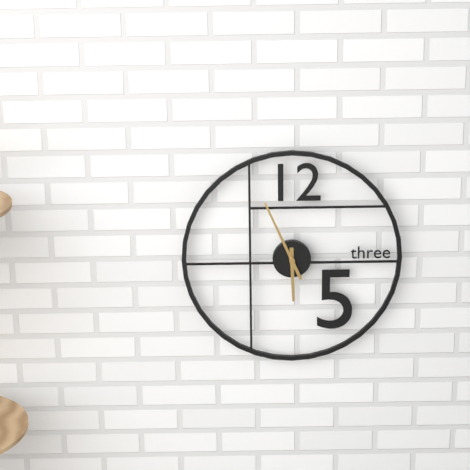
5 h 56 min
